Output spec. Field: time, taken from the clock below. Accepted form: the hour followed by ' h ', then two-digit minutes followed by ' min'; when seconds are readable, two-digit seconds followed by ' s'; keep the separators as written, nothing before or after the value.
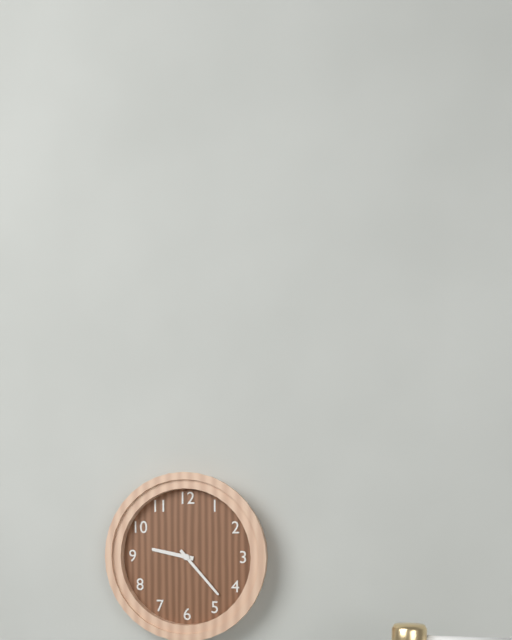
9 h 23 min
